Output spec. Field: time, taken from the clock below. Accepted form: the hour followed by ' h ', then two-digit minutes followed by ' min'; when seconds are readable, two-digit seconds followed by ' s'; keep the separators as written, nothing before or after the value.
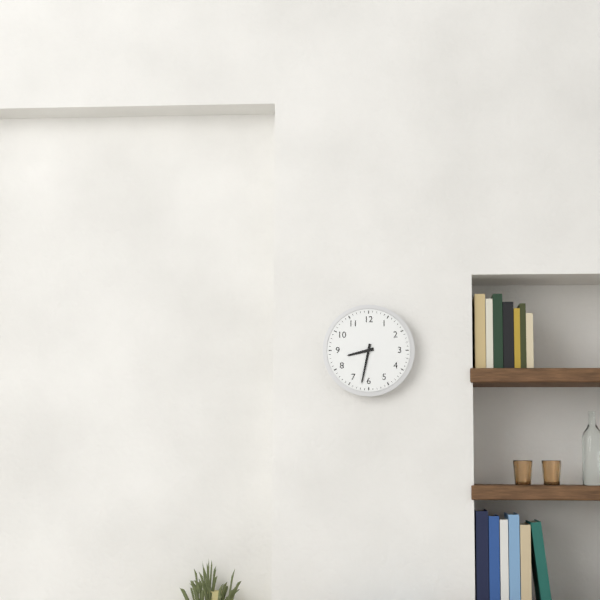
8 h 32 min
